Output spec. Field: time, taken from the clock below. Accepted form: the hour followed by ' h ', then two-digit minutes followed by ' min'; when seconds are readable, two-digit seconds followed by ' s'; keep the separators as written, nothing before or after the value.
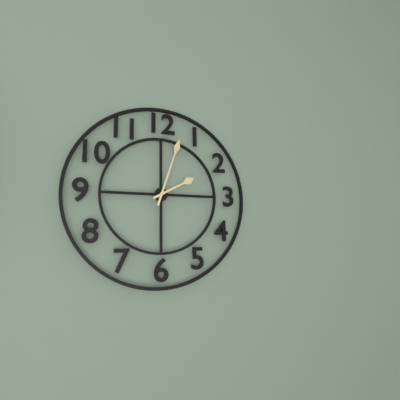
2 h 03 min
